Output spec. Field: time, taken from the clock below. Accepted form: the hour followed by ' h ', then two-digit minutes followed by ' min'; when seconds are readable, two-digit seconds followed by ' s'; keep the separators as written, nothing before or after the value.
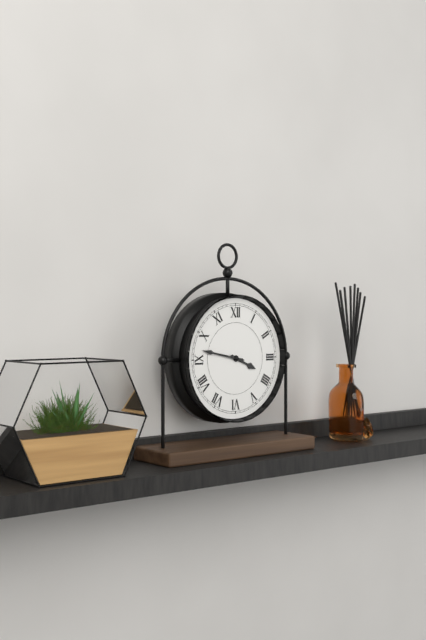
3 h 47 min
